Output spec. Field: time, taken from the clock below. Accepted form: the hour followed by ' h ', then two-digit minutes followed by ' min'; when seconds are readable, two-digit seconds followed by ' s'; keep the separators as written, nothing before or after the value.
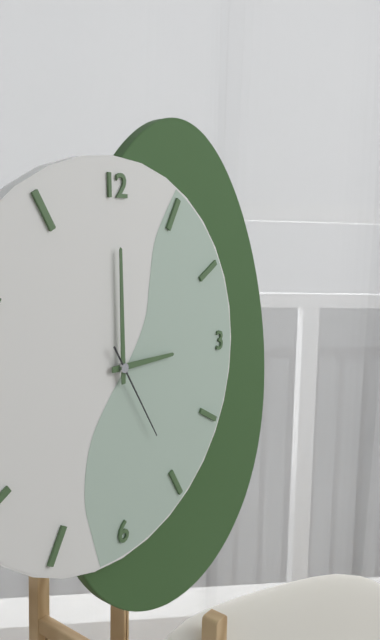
3 h 00 min 25 s
